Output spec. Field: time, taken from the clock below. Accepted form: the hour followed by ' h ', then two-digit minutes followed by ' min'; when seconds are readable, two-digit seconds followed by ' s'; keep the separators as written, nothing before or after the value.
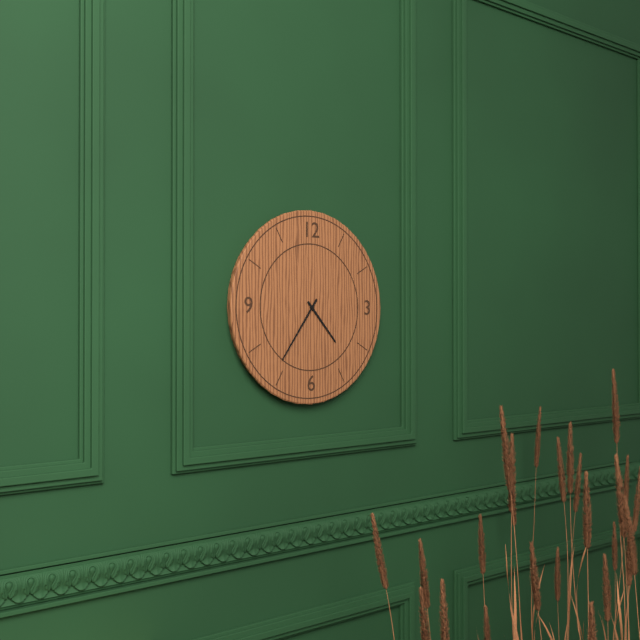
4 h 36 min
